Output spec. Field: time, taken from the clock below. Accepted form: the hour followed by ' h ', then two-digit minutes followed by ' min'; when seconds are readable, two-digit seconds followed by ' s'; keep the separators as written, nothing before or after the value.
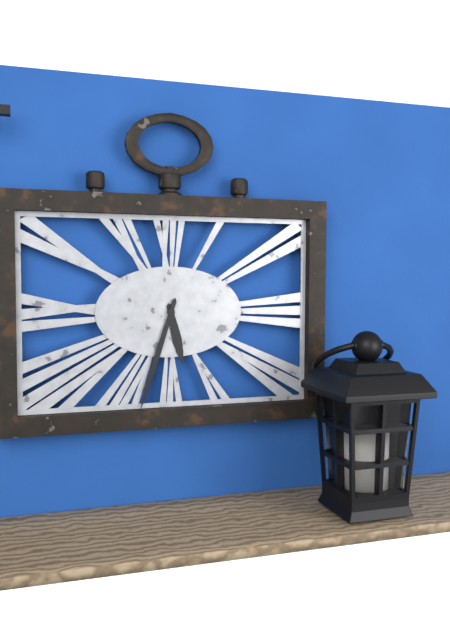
5 h 33 min
